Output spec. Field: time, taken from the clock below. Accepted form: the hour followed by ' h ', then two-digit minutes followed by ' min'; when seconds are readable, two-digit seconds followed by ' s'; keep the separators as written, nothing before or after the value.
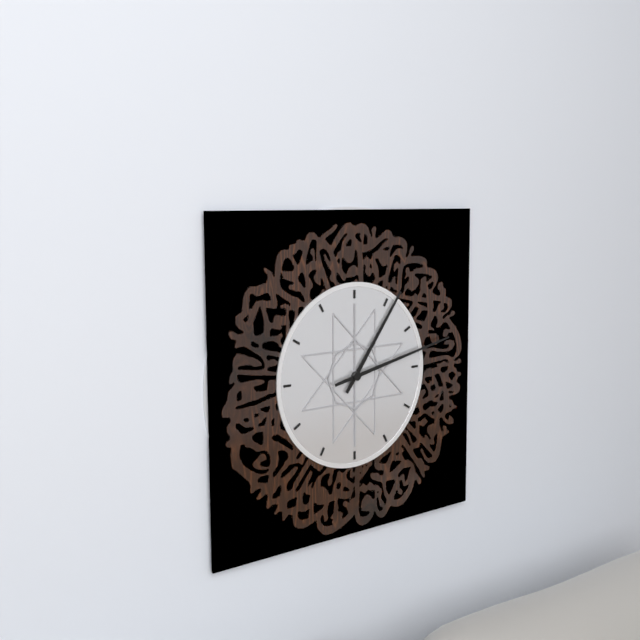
1 h 13 min
